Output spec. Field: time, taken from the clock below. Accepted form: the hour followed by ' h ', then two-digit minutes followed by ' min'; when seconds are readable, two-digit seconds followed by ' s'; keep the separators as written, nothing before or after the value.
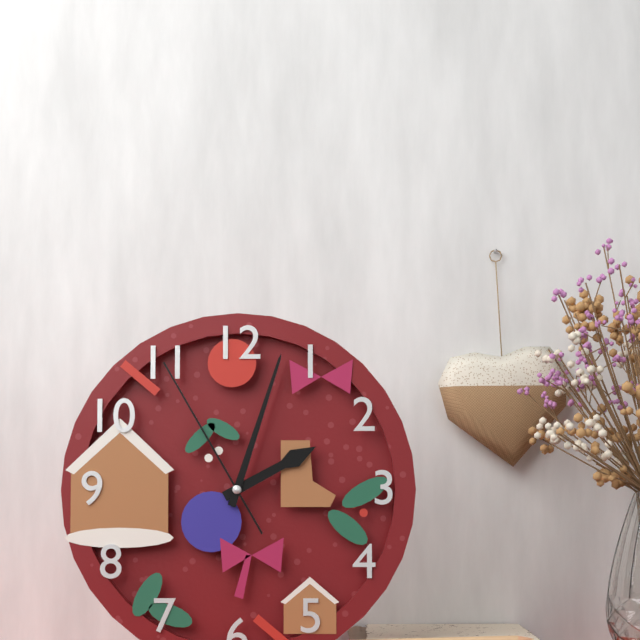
2 h 03 min 55 s
